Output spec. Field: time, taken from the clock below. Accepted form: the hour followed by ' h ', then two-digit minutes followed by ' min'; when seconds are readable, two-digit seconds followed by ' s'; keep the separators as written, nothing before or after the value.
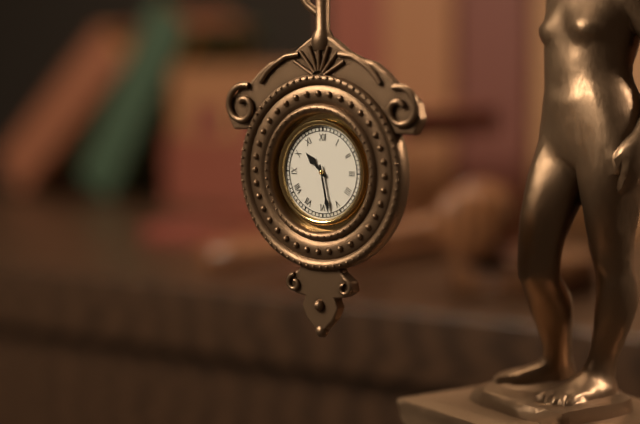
10 h 28 min
